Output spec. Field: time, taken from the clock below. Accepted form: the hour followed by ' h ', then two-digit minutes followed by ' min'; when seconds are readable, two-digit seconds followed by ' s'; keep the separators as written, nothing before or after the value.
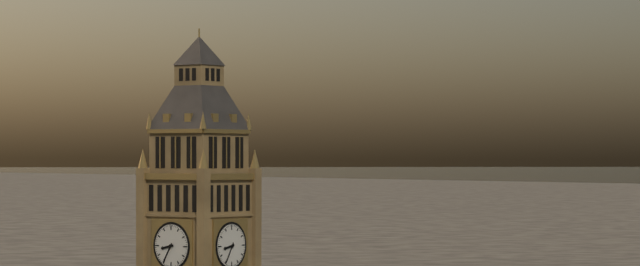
8 h 35 min
